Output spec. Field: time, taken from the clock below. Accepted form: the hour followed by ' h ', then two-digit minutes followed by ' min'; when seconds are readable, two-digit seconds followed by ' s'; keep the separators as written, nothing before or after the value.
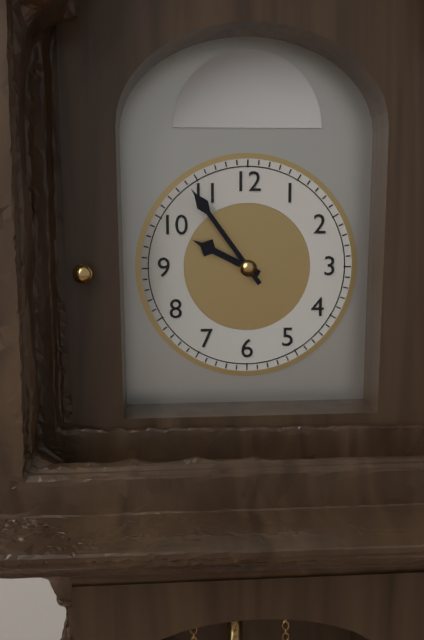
9 h 54 min
